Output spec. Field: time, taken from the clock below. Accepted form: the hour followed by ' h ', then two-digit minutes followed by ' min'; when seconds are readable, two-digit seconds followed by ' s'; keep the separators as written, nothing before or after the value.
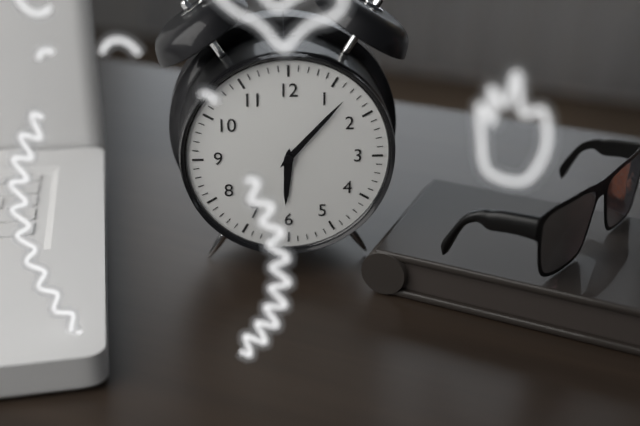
6 h 07 min
